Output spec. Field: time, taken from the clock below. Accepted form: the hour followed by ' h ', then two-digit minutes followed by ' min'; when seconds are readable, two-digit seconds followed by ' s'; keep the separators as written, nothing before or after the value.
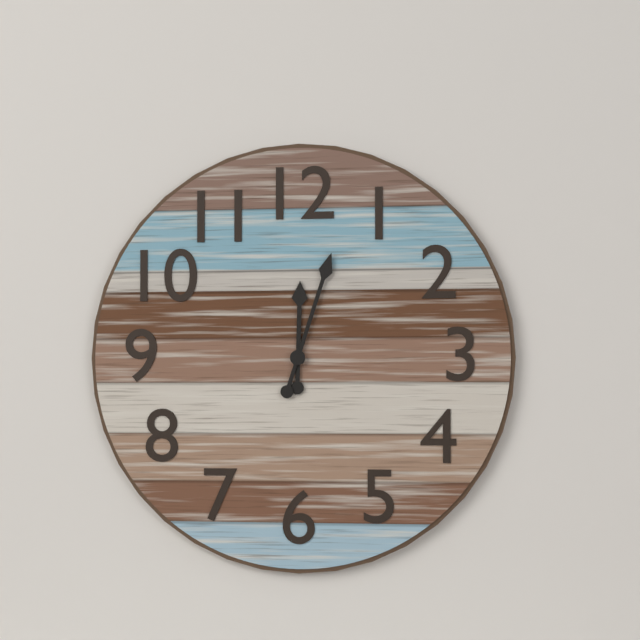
12 h 03 min
